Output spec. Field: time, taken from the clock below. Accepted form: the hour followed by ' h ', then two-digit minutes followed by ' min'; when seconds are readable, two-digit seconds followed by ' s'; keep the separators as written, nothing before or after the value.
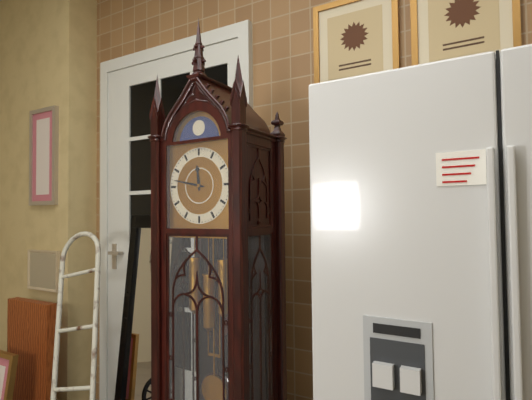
11 h 47 min
